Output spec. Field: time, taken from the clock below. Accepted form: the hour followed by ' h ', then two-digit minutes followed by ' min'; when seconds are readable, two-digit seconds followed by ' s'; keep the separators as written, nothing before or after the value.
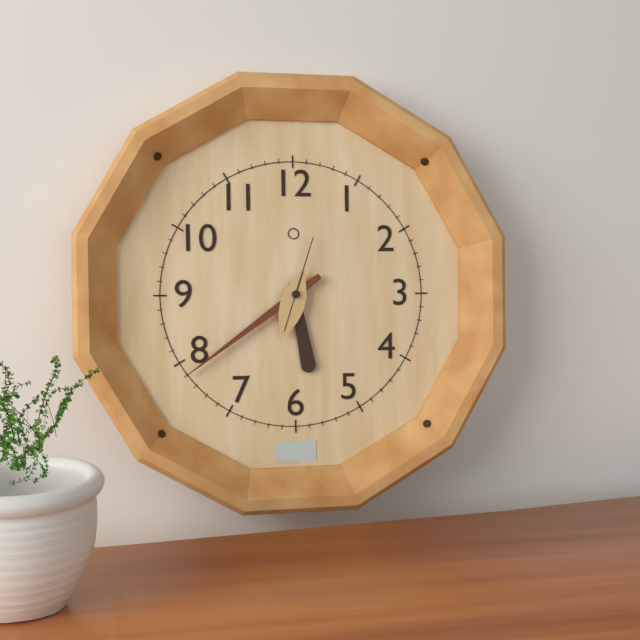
5 h 39 min 03 s
